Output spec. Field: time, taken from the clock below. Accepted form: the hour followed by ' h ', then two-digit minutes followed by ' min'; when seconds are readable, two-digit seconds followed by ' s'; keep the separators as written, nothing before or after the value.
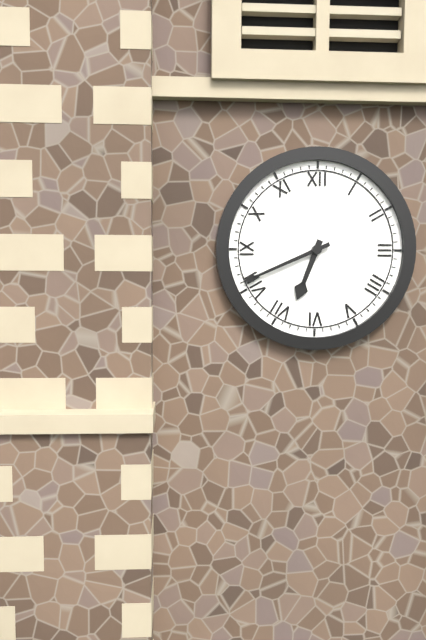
6 h 41 min
